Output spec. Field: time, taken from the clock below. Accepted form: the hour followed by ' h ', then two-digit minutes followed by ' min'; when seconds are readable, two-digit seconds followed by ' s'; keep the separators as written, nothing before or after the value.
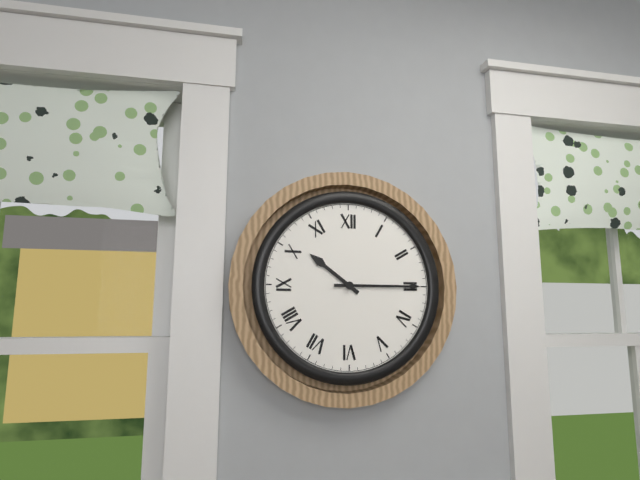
10 h 15 min
